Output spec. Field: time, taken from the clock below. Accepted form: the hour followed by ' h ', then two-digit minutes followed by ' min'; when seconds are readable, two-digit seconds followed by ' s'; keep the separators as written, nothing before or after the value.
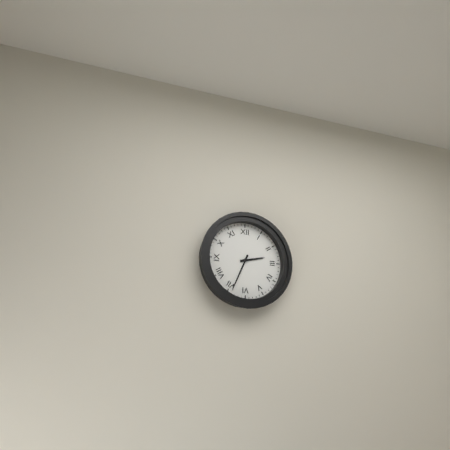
2 h 34 min
